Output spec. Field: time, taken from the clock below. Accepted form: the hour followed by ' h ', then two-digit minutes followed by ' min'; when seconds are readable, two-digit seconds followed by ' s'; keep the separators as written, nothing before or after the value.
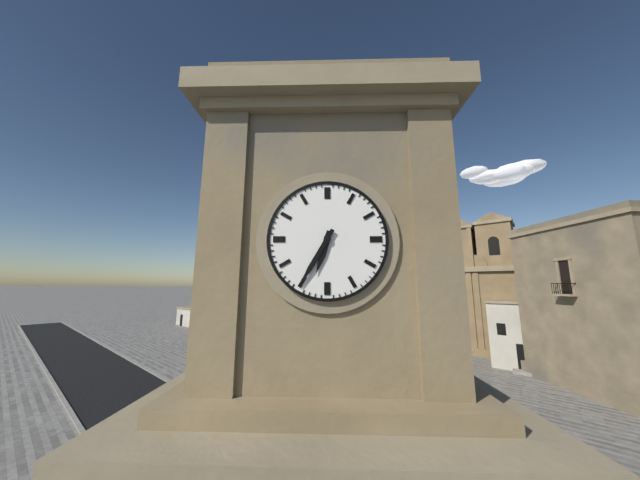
6 h 35 min
